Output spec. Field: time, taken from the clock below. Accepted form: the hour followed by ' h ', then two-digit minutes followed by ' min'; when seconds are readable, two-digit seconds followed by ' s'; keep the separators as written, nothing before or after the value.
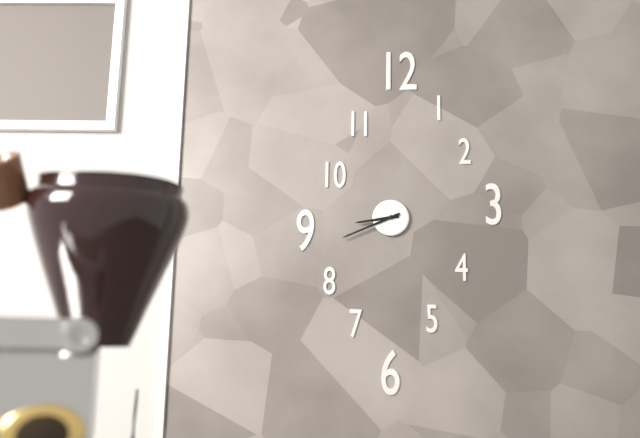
8 h 41 min
